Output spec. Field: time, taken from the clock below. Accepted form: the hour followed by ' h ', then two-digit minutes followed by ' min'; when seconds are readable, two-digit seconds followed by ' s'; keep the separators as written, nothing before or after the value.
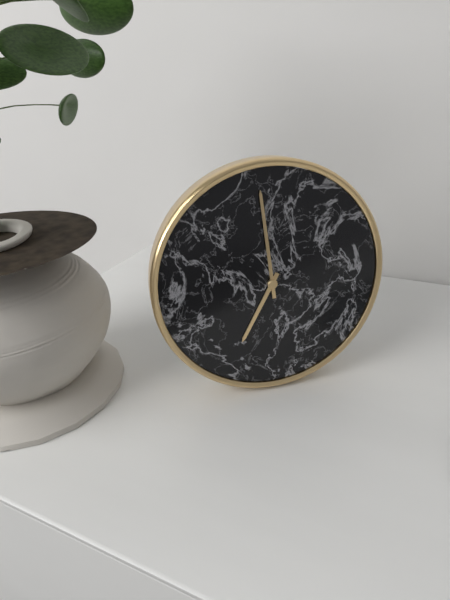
6 h 59 min
